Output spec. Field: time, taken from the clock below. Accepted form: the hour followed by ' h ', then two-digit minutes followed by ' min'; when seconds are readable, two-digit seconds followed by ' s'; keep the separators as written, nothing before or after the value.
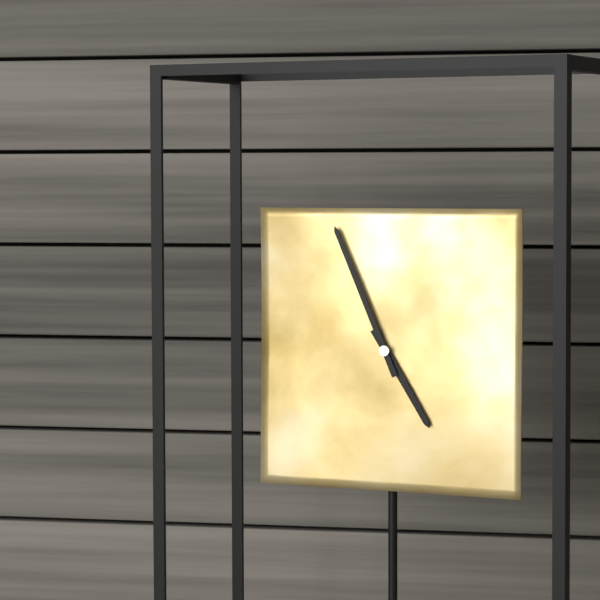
4 h 56 min
